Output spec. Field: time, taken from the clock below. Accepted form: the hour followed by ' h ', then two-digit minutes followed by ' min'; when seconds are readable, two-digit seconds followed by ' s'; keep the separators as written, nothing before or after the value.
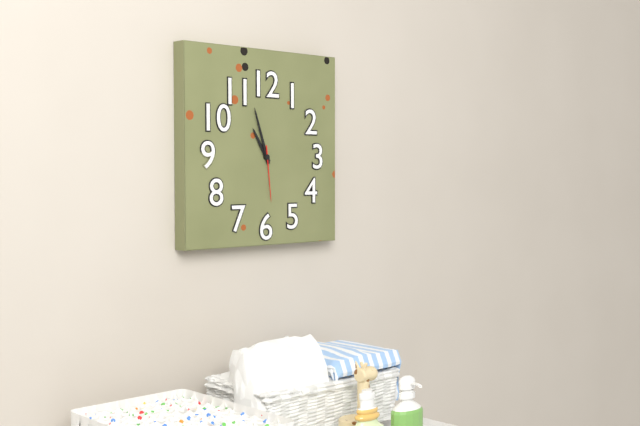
10 h 57 min 29 s
